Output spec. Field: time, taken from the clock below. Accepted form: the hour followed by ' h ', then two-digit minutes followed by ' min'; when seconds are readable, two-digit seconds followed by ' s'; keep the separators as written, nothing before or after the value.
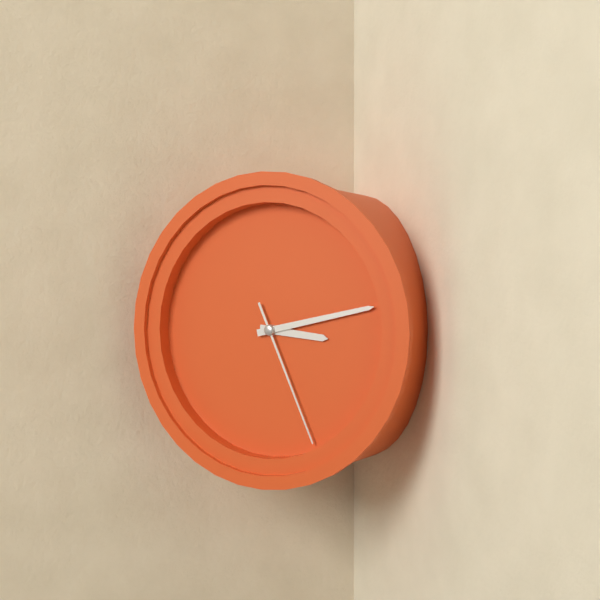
3 h 13 min 26 s
